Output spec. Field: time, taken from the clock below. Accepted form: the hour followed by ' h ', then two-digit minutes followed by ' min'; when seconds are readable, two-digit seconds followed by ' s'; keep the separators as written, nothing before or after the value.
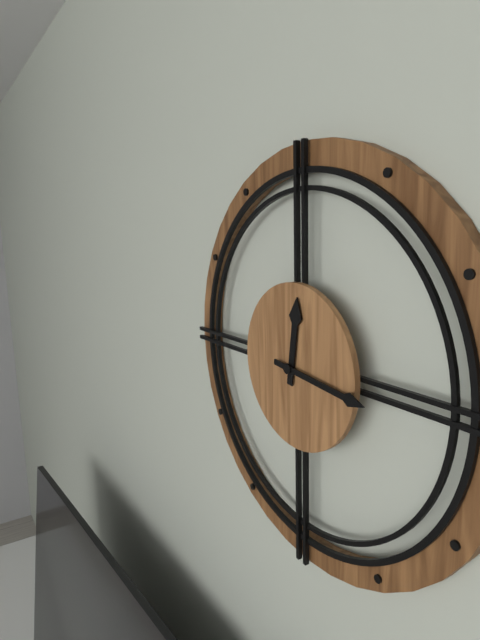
12 h 16 min
